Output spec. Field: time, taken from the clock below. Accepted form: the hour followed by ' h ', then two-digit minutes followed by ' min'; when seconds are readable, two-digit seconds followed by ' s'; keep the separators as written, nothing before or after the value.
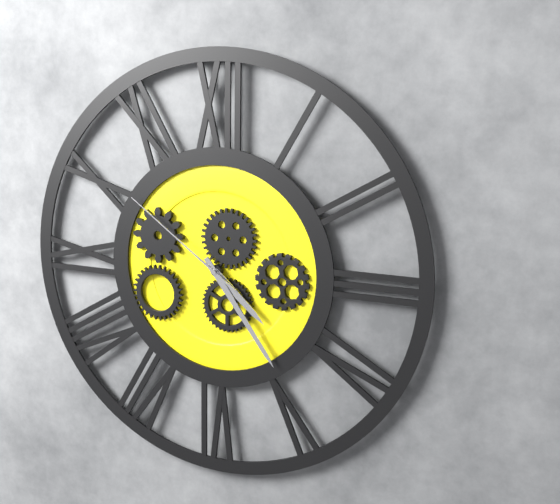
4 h 24 min 51 s
